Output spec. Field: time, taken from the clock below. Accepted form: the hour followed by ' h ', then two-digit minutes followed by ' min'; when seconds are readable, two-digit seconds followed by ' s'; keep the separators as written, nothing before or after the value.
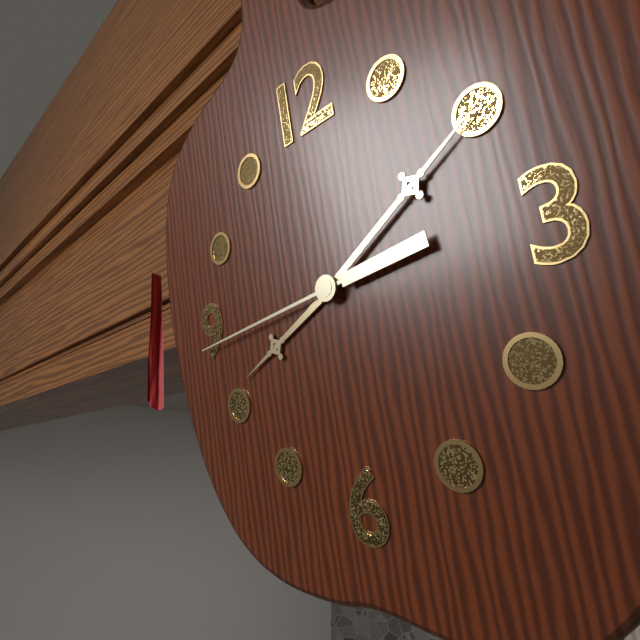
8 h 10 min 44 s
